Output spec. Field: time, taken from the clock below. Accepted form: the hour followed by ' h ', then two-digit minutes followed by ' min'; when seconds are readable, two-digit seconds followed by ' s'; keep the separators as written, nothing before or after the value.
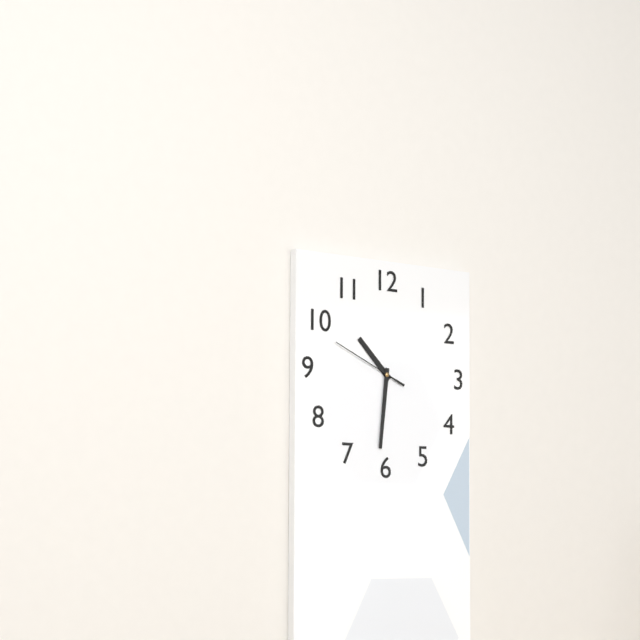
10 h 31 min 49 s
